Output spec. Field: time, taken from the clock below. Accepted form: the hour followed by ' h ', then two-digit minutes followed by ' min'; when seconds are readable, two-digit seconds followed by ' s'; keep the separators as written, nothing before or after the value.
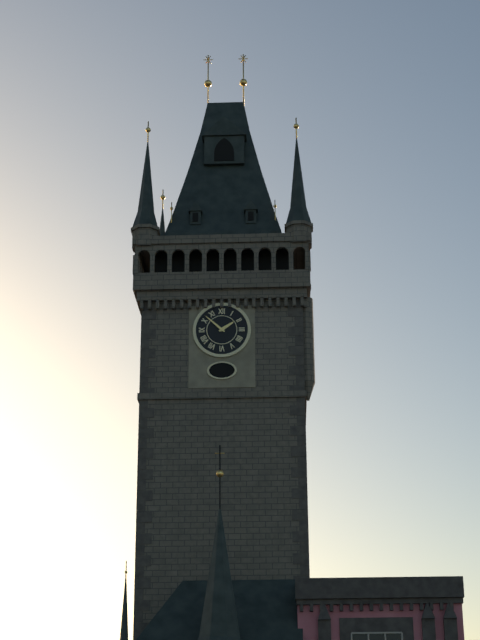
1 h 52 min
